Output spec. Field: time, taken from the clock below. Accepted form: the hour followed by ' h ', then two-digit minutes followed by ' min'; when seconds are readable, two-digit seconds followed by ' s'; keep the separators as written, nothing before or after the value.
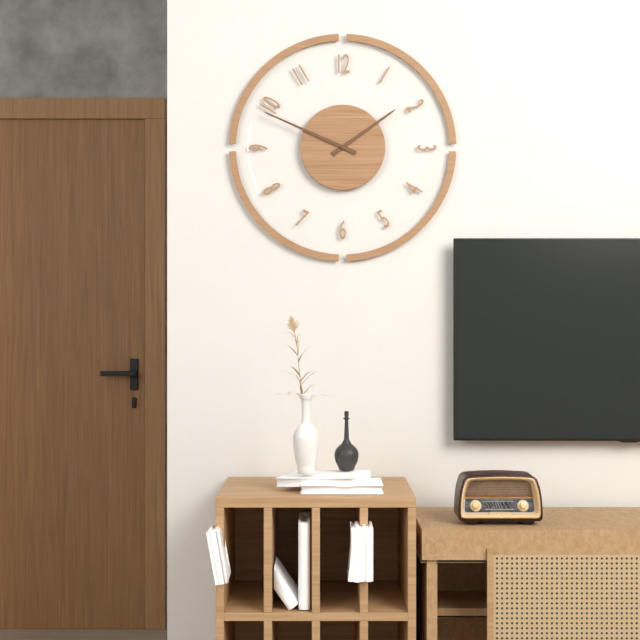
1 h 49 min
